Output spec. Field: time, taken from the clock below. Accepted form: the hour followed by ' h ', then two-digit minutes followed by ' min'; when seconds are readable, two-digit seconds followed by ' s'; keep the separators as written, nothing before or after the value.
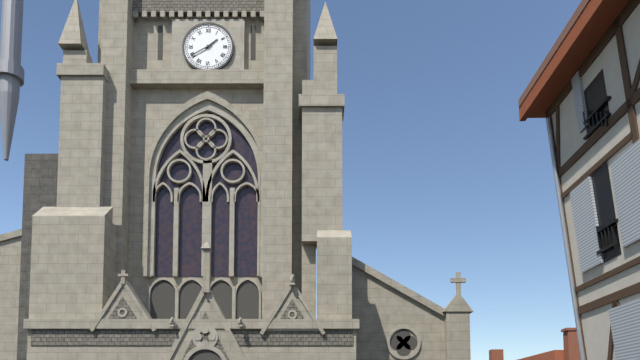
1 h 40 min
